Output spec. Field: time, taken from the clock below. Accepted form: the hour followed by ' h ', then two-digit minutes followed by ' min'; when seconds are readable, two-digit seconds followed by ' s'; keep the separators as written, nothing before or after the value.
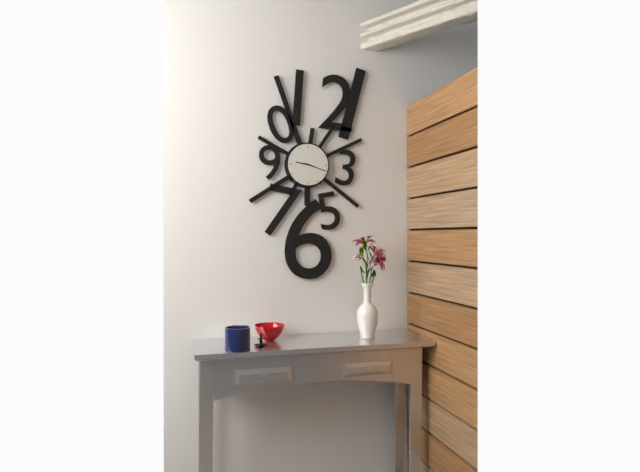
9 h 18 min
